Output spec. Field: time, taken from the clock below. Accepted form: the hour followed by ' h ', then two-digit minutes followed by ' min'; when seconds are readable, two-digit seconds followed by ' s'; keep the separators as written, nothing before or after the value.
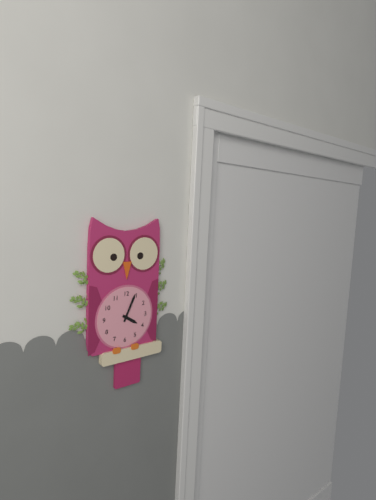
4 h 04 min
